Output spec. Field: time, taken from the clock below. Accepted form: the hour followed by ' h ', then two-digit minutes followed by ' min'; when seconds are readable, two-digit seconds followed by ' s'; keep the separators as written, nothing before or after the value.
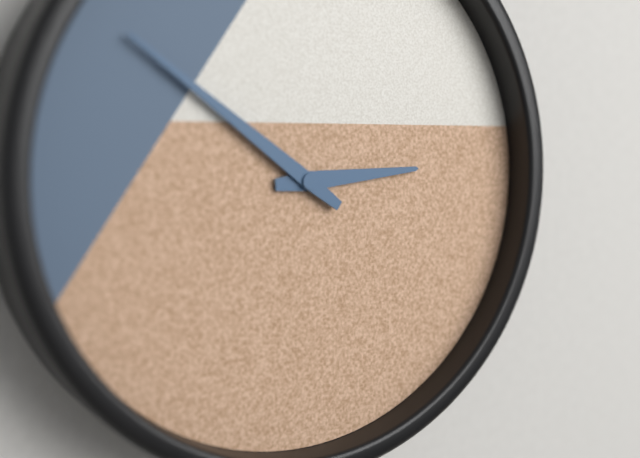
2 h 51 min
